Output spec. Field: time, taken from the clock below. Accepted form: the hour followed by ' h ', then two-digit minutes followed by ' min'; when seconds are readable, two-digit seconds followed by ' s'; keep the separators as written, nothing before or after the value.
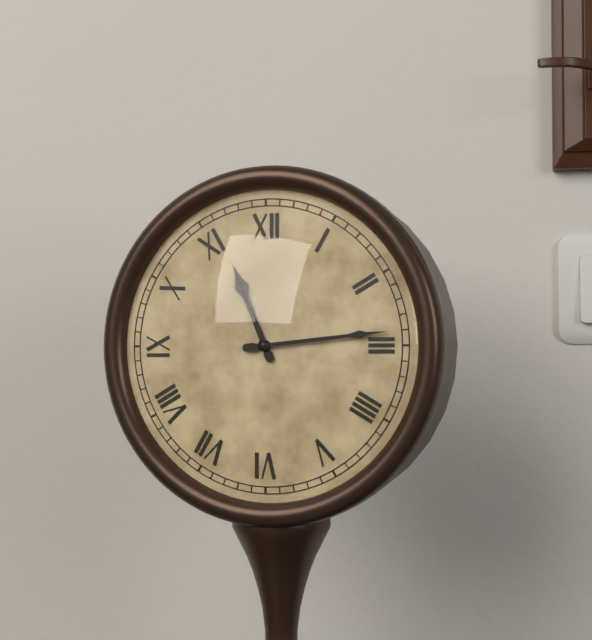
11 h 14 min
